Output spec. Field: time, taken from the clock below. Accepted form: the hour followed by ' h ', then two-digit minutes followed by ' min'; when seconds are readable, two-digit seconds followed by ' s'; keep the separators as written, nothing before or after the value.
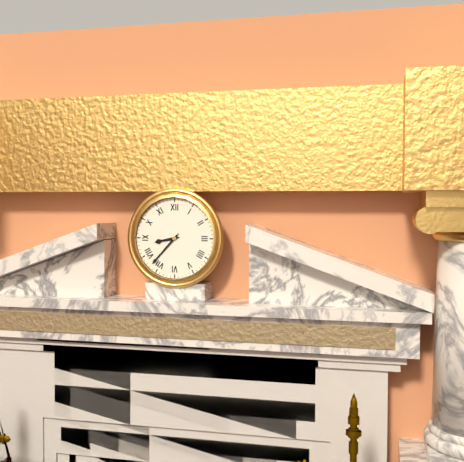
8 h 37 min
